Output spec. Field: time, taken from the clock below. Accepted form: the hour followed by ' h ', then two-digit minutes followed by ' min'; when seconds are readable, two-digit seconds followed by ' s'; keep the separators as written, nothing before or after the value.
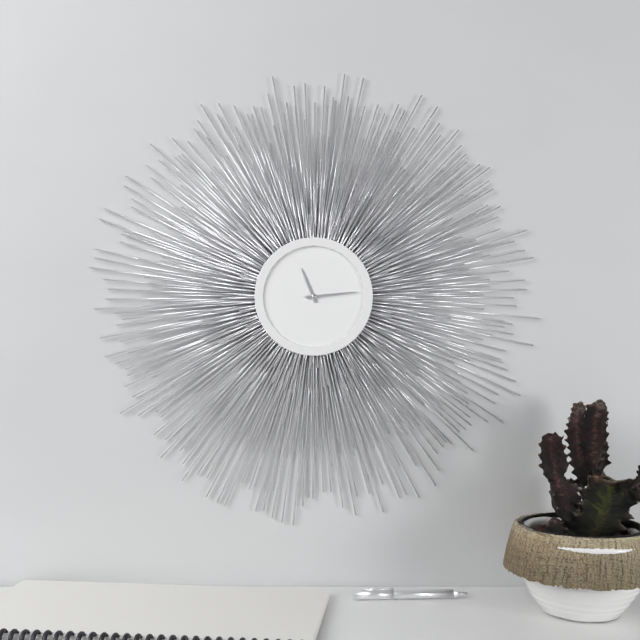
11 h 14 min
